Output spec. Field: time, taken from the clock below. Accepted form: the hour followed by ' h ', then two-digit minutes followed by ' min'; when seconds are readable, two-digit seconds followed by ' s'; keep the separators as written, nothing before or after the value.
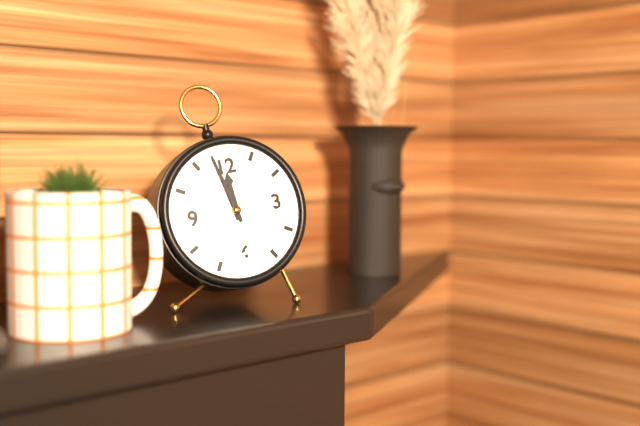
11 h 58 min
